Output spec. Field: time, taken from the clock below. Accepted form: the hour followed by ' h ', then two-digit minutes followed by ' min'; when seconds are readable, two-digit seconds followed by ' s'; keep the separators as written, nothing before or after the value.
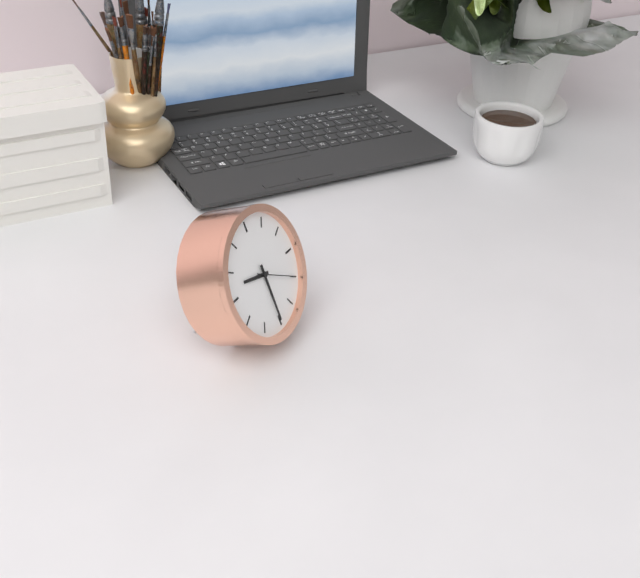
9 h 30 min
